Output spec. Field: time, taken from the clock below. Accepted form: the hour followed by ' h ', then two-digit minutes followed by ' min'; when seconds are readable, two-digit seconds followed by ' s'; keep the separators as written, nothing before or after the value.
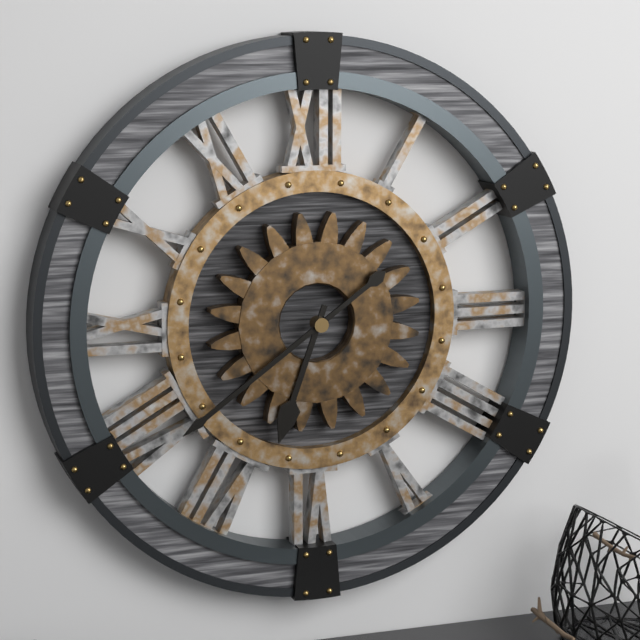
6 h 39 min
